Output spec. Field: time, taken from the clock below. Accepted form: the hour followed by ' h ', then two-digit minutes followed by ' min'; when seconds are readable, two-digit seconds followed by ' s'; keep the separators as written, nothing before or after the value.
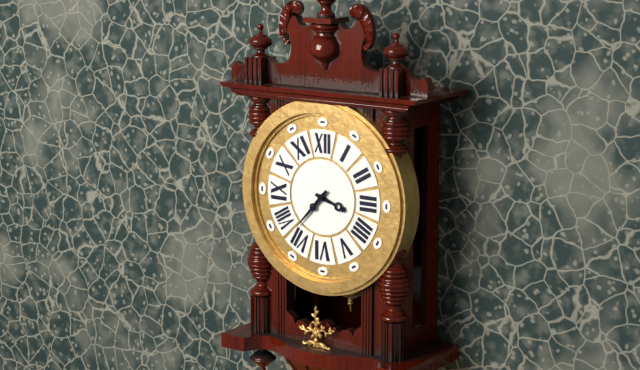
3 h 37 min
